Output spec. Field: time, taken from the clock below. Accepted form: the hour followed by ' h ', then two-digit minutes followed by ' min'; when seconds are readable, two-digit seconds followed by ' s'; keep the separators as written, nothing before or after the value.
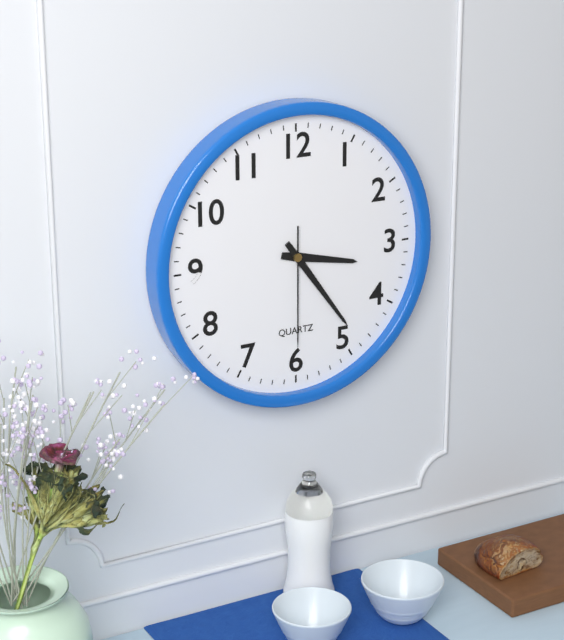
3 h 24 min 30 s
